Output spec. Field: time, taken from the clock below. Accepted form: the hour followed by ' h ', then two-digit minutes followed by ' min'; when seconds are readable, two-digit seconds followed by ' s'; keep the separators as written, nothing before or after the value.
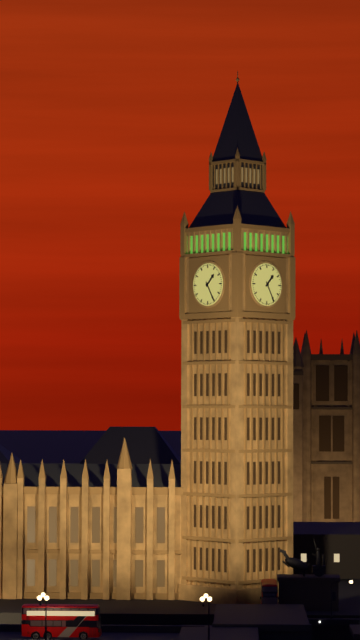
1 h 25 min
